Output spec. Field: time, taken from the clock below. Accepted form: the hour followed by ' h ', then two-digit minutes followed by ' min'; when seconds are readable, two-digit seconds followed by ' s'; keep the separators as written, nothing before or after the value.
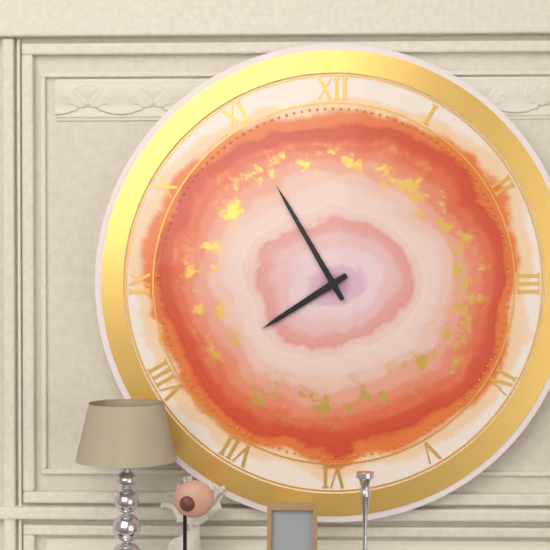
7 h 55 min
